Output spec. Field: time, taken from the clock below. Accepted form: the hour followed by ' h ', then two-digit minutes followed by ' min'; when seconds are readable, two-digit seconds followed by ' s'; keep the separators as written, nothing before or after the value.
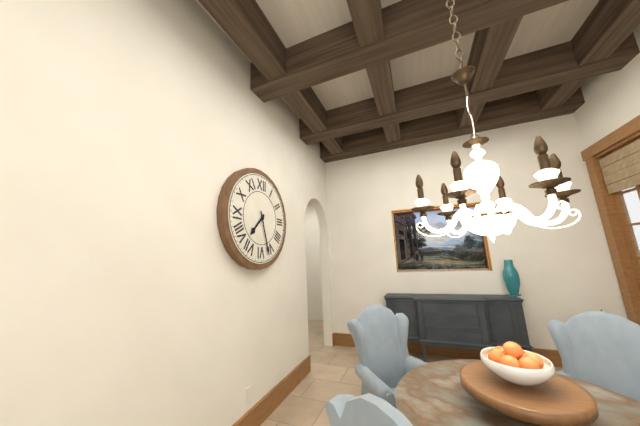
7 h 27 min
